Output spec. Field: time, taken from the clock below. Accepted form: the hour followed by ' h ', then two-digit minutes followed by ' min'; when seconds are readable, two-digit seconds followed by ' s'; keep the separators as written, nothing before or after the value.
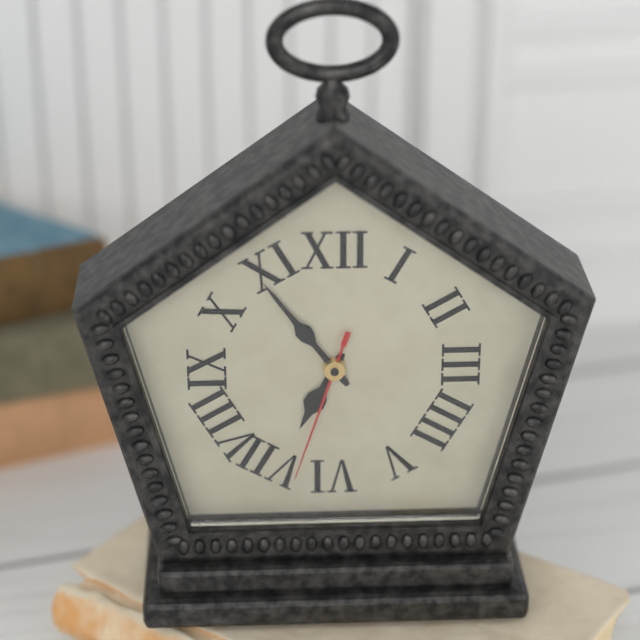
6 h 54 min 33 s
